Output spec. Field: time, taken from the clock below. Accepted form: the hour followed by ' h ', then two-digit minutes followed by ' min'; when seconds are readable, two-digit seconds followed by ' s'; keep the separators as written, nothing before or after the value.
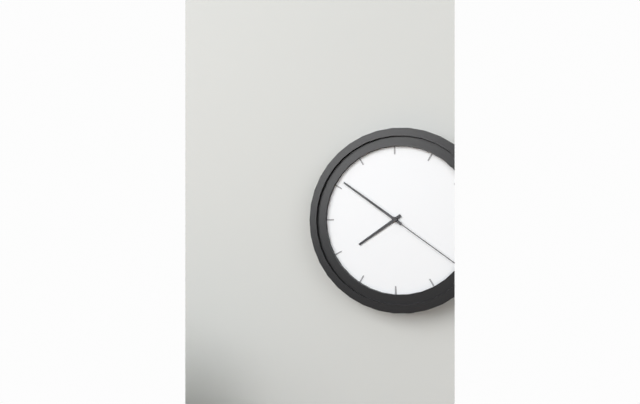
7 h 51 min 21 s
